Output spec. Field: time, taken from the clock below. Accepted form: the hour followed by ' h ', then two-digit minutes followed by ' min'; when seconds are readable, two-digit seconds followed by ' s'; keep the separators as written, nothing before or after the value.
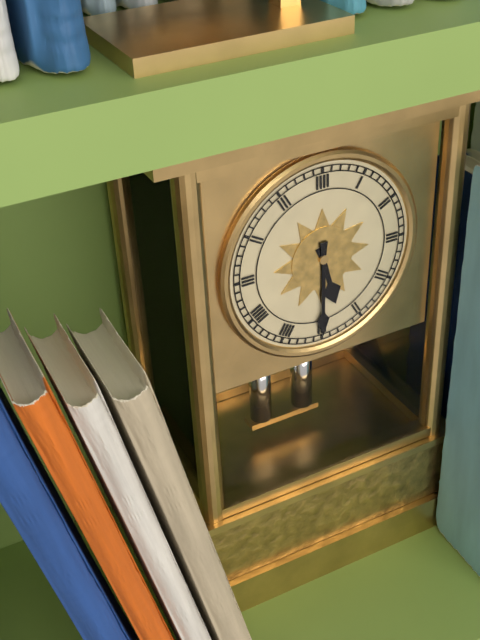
5 h 30 min
